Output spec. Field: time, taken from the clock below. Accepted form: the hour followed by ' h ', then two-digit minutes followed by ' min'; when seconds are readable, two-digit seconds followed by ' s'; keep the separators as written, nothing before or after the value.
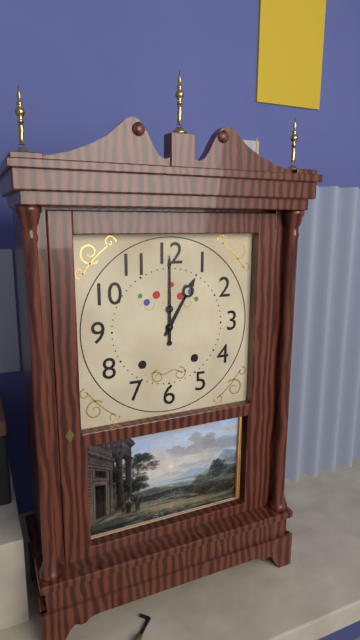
1 h 00 min
